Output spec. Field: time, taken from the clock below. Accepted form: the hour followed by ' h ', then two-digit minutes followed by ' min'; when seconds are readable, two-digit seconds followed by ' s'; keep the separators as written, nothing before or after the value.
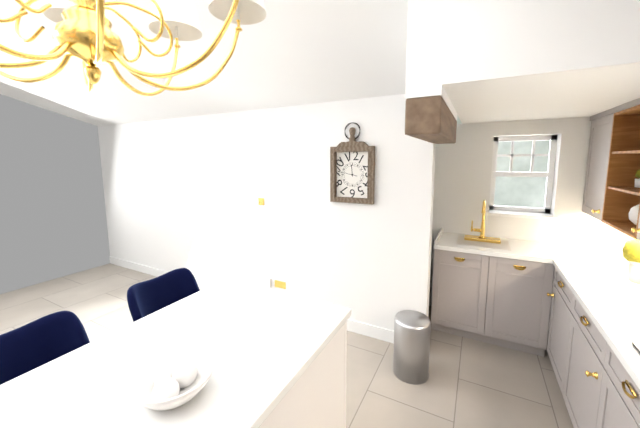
11 h 47 min
